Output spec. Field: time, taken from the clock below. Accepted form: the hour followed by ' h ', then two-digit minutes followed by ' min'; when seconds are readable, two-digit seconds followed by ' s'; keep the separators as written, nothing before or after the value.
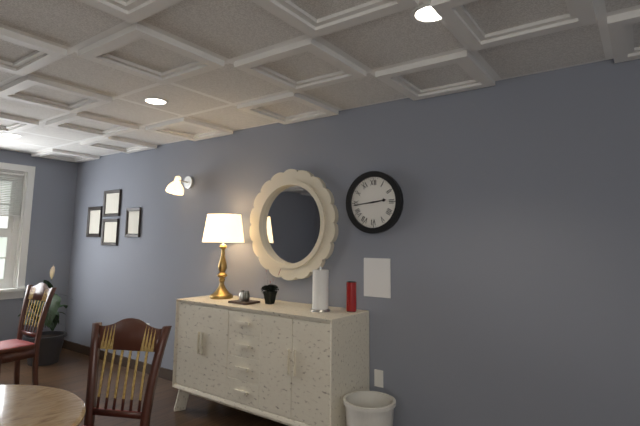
2 h 44 min
